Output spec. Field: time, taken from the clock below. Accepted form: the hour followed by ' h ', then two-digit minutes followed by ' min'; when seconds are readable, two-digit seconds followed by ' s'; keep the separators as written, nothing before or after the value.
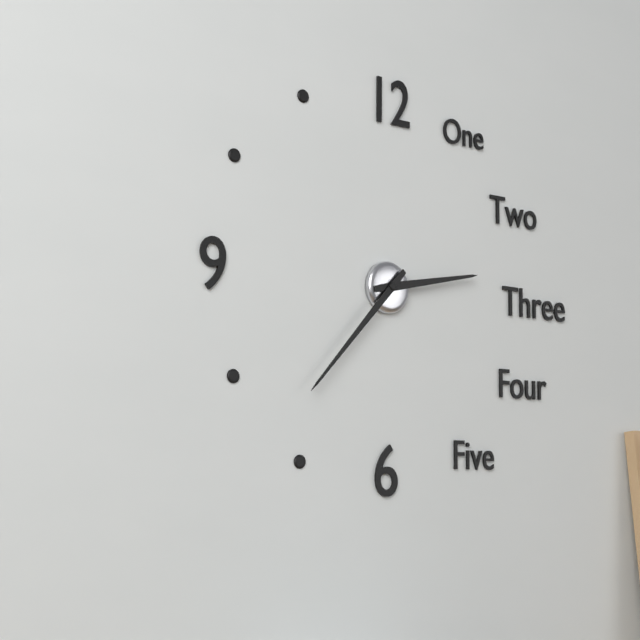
2 h 37 min
